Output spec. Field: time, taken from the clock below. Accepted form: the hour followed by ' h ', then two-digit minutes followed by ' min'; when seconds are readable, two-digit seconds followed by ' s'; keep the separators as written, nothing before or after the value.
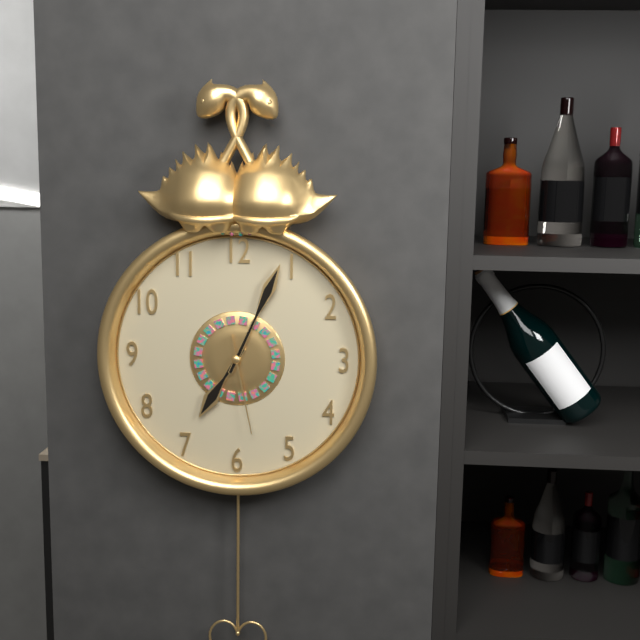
7 h 04 min 28 s
